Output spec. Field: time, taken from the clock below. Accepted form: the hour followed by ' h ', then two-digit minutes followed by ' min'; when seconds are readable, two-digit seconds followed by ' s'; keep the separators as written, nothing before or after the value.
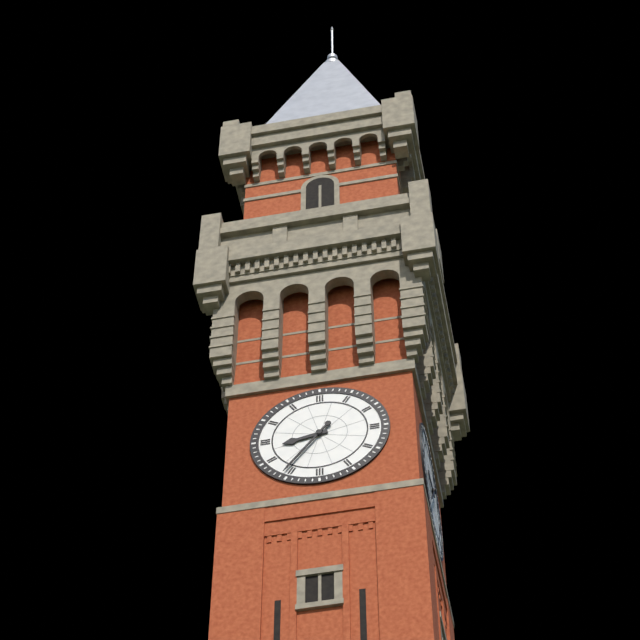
8 h 36 min
